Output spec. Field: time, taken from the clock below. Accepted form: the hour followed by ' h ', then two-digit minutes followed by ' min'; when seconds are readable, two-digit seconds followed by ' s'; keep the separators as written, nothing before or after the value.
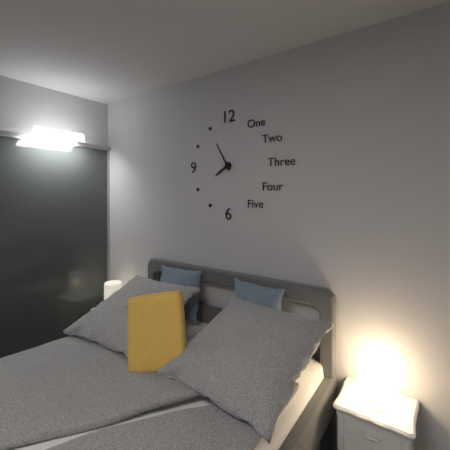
7 h 55 min
